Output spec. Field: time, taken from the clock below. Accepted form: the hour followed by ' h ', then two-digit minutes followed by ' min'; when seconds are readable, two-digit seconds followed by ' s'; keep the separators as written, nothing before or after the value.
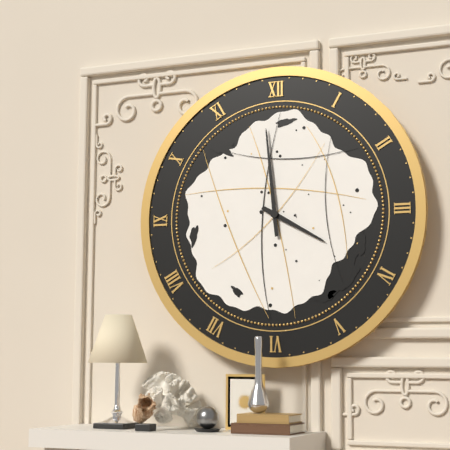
3 h 59 min
